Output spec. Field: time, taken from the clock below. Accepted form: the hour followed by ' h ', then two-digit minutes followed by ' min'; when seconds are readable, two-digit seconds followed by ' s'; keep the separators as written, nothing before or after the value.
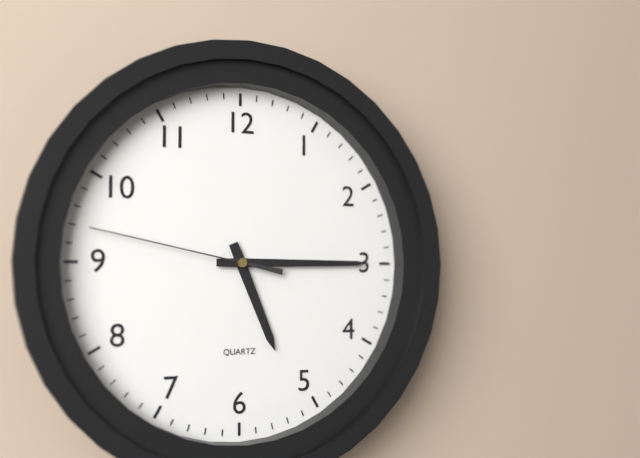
5 h 15 min 47 s
